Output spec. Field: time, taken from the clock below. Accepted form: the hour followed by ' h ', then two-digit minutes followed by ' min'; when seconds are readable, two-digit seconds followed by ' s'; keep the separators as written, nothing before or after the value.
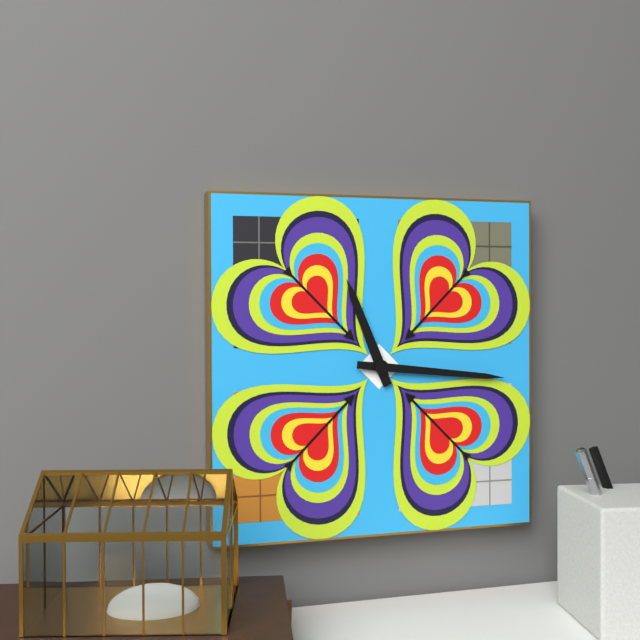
11 h 16 min
